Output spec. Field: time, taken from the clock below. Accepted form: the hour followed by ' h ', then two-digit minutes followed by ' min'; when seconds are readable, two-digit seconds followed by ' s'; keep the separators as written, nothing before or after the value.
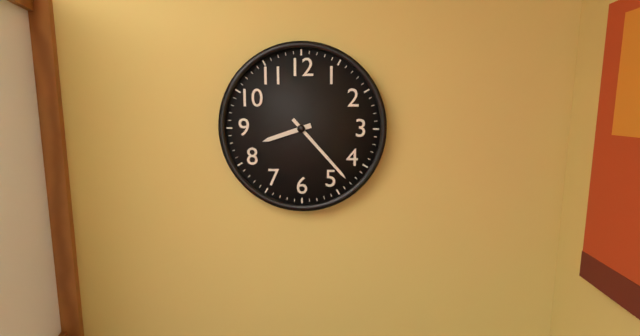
8 h 23 min
